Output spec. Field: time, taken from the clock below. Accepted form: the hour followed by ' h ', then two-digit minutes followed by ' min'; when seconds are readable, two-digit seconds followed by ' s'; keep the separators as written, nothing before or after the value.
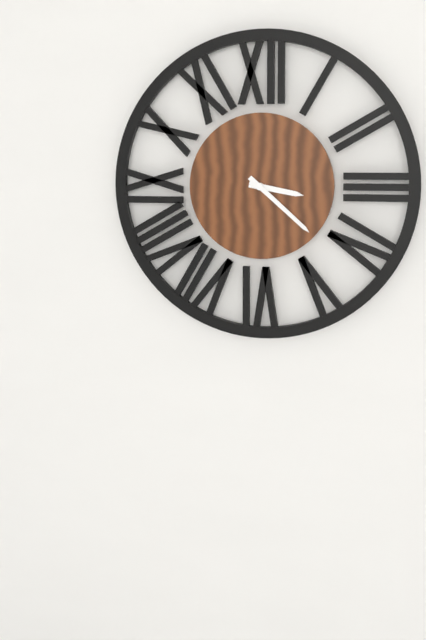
3 h 22 min
